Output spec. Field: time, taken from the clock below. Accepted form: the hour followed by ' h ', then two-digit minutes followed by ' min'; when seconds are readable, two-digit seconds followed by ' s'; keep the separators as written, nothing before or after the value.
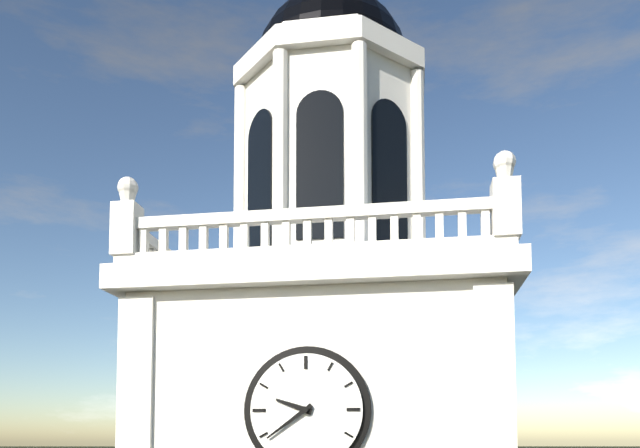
9 h 39 min
